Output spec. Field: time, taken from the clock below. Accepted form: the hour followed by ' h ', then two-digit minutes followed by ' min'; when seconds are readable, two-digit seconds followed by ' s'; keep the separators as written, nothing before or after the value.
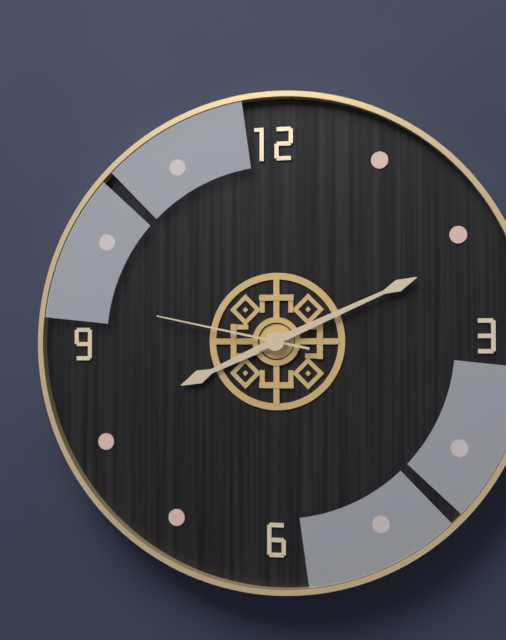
8 h 11 min 47 s
